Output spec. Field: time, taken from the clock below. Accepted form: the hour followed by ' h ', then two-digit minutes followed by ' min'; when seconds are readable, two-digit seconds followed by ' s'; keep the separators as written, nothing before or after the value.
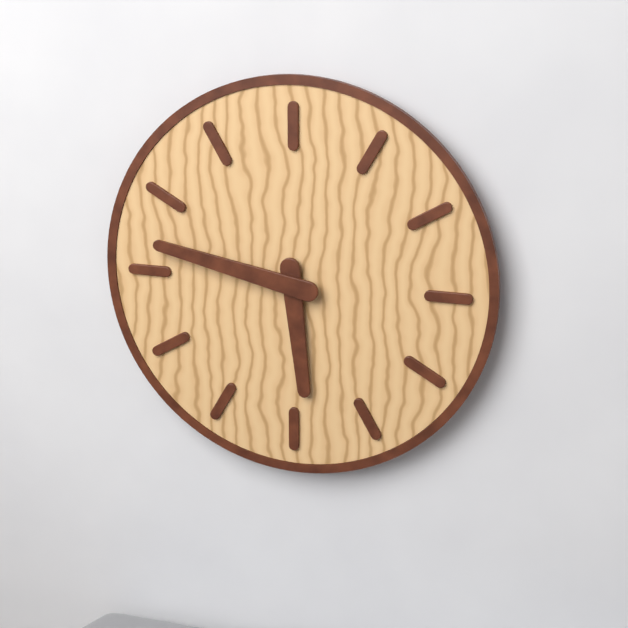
5 h 47 min
